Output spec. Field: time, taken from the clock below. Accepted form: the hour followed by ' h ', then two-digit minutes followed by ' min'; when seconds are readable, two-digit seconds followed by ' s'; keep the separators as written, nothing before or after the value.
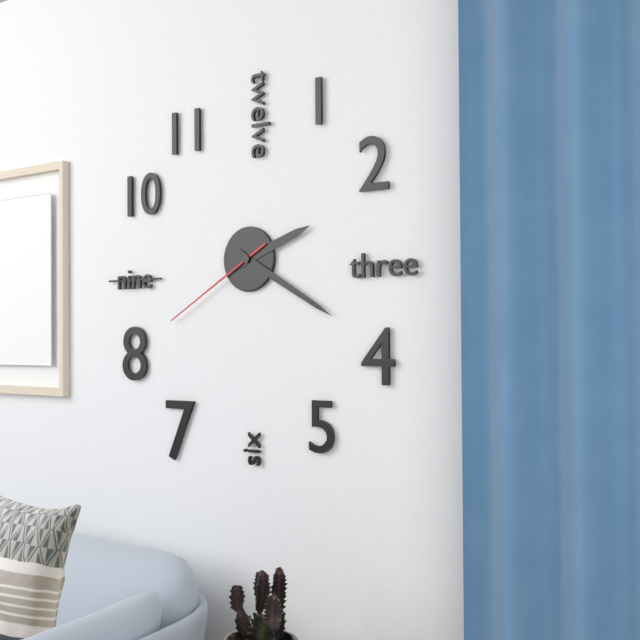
2 h 20 min 40 s
